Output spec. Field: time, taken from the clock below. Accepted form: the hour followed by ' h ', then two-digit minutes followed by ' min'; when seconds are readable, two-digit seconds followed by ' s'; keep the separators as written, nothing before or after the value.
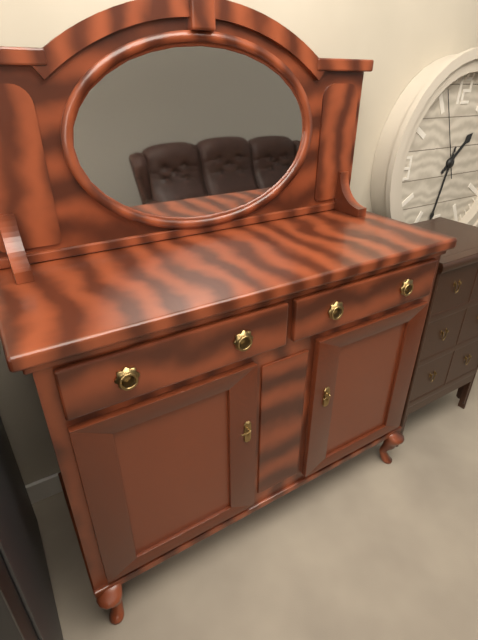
1 h 32 min 56 s
